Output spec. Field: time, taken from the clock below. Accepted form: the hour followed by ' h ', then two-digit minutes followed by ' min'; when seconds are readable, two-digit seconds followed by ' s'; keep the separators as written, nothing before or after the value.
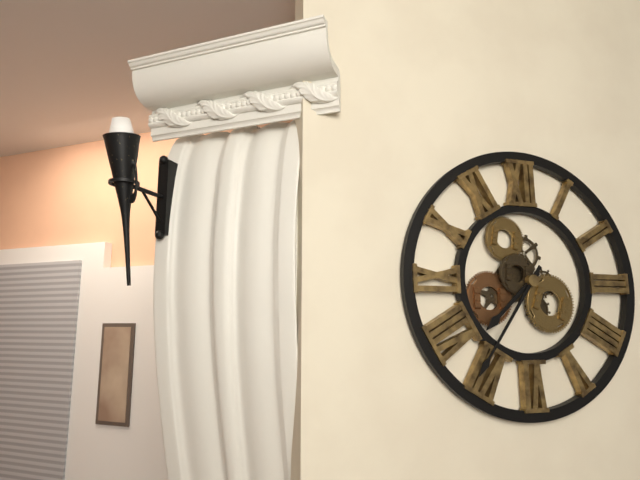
7 h 36 min
